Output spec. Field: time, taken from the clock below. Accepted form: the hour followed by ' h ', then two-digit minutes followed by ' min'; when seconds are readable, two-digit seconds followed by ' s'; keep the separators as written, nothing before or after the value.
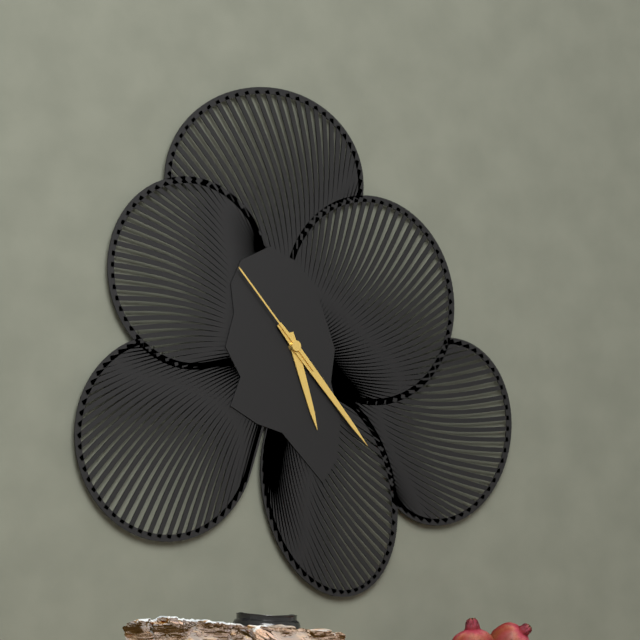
5 h 23 min 53 s
